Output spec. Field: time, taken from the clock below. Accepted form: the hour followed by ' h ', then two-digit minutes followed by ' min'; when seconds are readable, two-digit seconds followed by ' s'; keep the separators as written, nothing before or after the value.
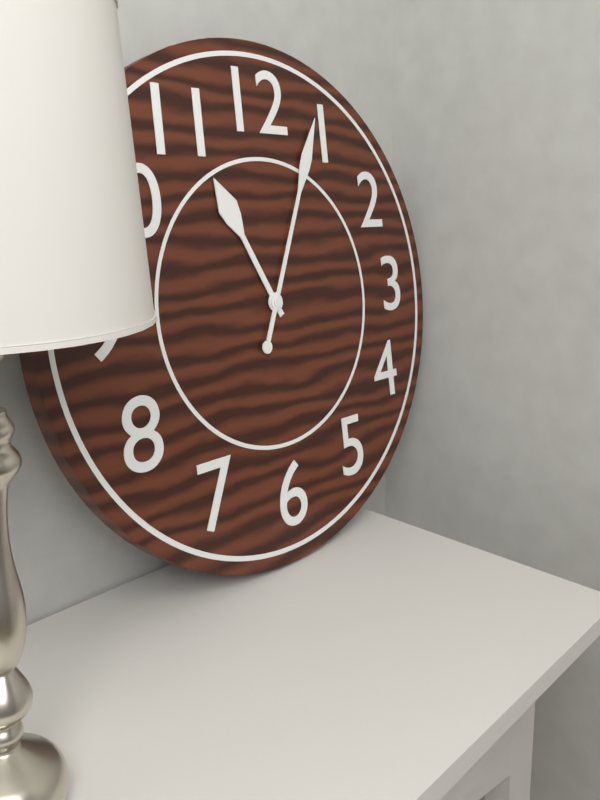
11 h 04 min
